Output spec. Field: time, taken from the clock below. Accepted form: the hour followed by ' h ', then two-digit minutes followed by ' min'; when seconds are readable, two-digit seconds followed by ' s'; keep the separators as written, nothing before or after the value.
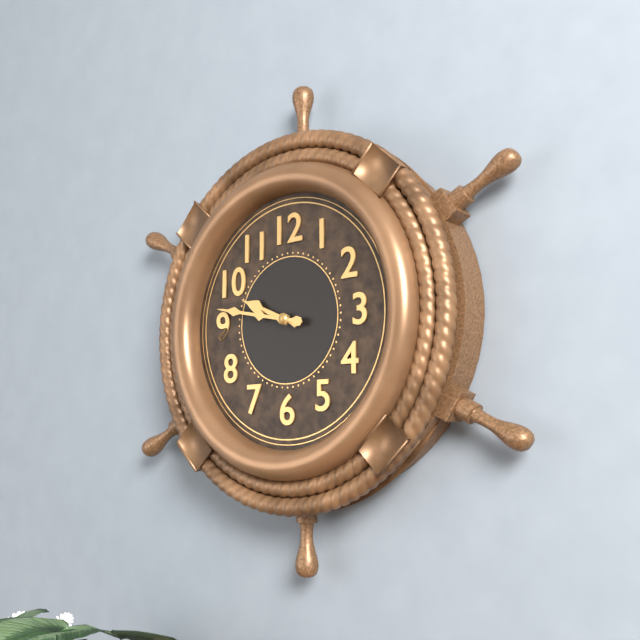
9 h 47 min
